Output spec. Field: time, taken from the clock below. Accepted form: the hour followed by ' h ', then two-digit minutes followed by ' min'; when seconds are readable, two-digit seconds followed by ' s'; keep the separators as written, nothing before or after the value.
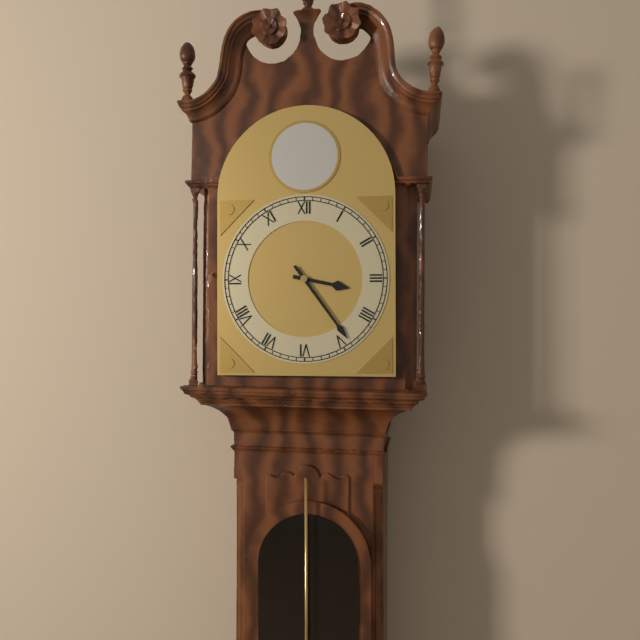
3 h 24 min
